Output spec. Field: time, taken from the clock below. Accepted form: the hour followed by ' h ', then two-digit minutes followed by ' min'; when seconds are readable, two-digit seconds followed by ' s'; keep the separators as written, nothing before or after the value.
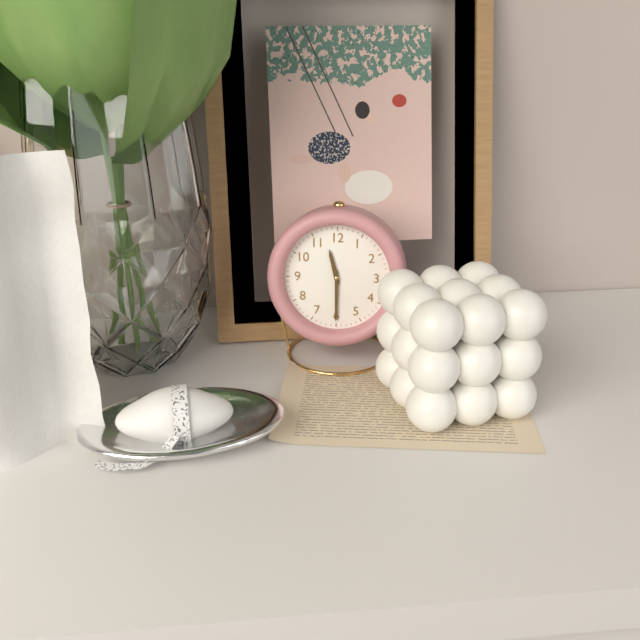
11 h 30 min
